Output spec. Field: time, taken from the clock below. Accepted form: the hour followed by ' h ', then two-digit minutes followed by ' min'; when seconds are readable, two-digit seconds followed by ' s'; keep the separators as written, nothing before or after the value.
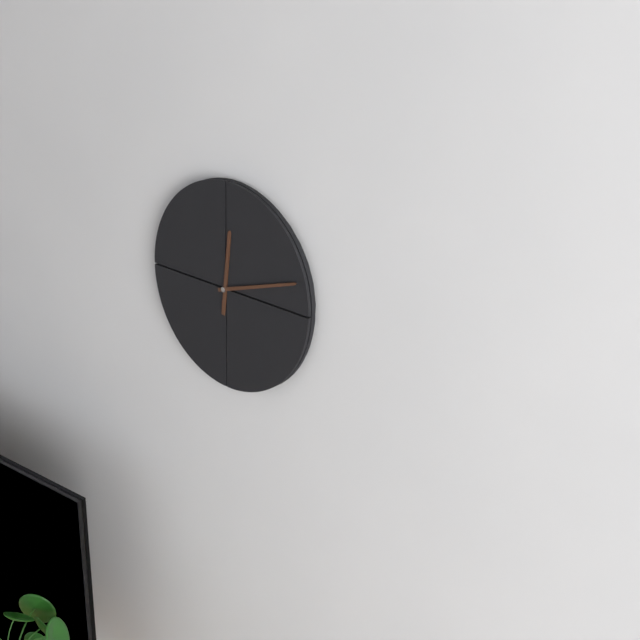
12 h 12 min
